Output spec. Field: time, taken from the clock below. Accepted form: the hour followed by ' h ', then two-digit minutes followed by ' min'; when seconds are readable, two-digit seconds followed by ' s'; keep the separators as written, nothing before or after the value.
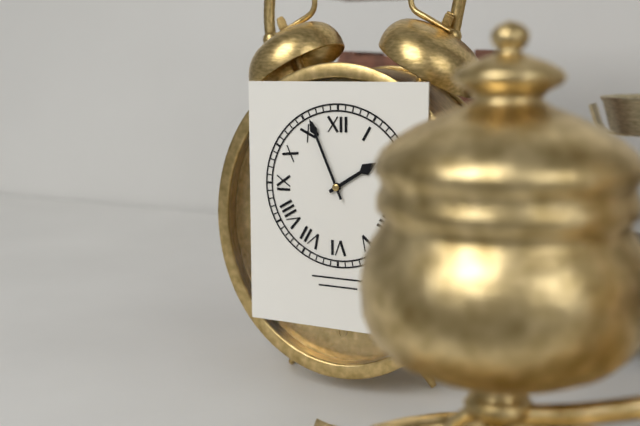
1 h 56 min
